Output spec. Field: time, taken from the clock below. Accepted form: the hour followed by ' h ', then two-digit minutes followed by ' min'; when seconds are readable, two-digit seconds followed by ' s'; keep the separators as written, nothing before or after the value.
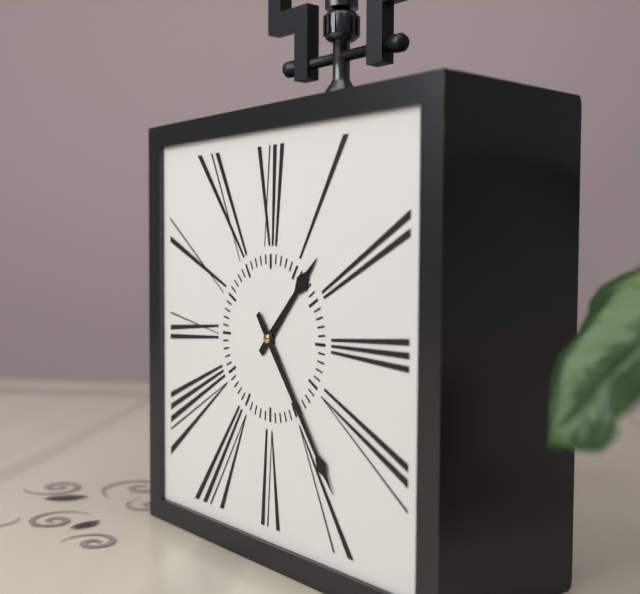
1 h 24 min
